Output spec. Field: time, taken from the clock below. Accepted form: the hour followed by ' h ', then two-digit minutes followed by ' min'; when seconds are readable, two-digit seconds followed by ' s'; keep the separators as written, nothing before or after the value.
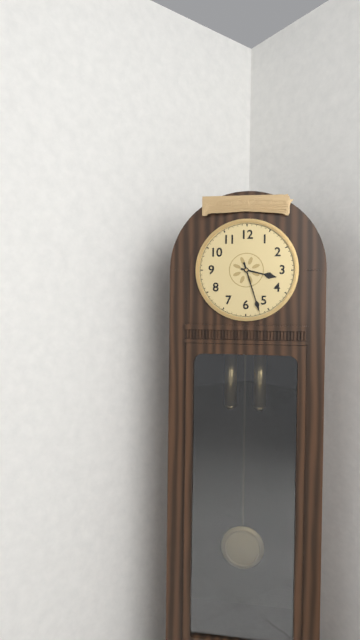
3 h 27 min
